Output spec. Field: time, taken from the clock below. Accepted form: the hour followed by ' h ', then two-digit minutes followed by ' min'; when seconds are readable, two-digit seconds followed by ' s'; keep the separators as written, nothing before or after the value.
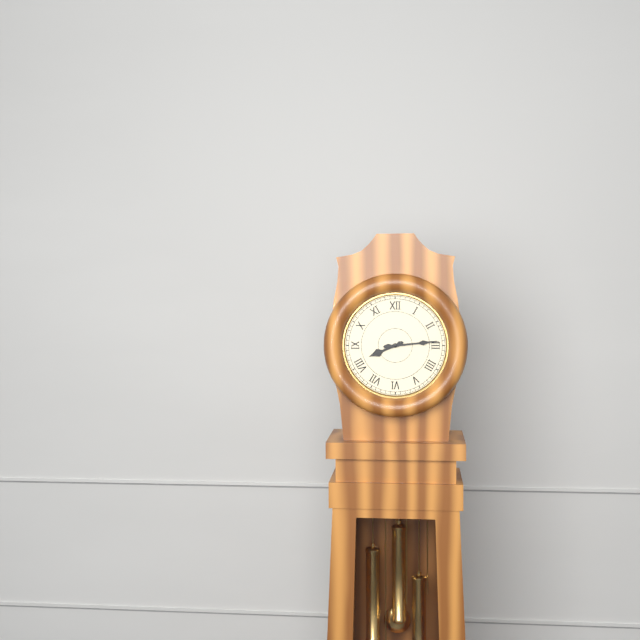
8 h 14 min
